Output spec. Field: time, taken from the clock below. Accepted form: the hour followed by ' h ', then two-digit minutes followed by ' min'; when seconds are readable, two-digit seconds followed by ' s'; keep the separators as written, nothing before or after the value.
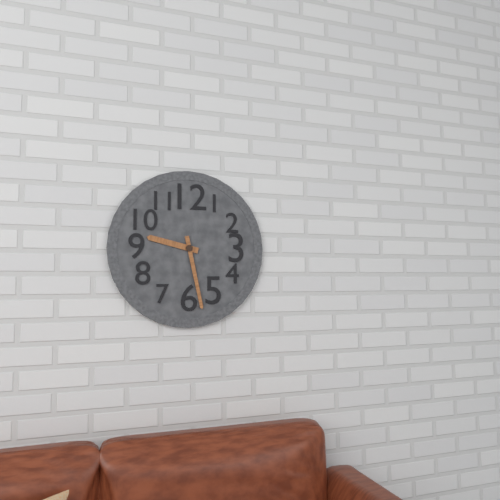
9 h 28 min
